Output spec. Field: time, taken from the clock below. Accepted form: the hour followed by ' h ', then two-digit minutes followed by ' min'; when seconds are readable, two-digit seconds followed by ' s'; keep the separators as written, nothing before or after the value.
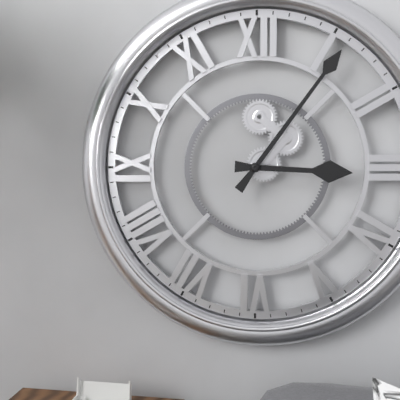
3 h 06 min
